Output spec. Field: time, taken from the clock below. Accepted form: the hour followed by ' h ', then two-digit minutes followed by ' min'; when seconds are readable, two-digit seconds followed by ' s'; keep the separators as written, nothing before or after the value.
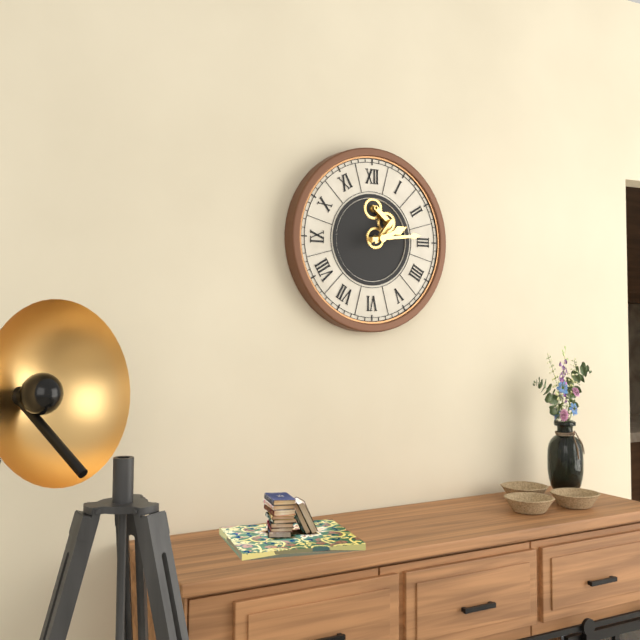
2 h 14 min
